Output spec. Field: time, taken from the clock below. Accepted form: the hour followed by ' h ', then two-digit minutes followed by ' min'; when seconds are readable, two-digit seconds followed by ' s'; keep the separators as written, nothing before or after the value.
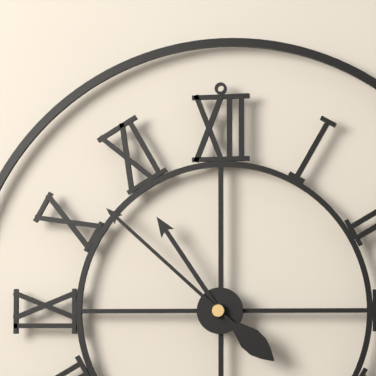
10 h 52 min
